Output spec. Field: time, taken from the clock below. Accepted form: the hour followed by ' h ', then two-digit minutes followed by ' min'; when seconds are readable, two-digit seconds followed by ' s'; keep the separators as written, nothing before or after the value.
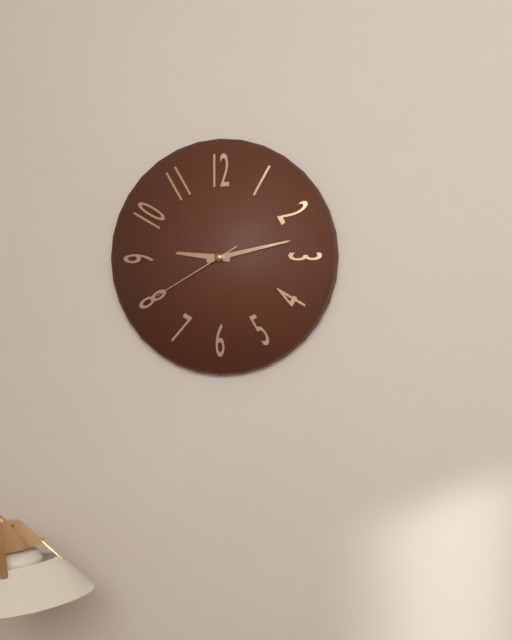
9 h 13 min 40 s
